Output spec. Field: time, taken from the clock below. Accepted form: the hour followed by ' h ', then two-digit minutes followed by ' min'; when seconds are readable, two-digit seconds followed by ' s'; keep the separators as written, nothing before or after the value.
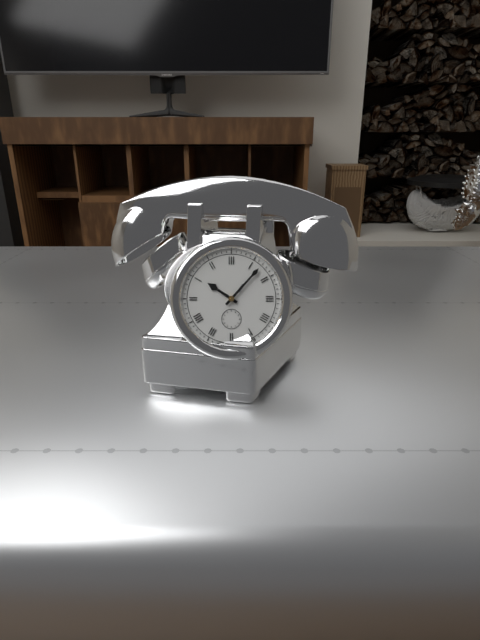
10 h 07 min
